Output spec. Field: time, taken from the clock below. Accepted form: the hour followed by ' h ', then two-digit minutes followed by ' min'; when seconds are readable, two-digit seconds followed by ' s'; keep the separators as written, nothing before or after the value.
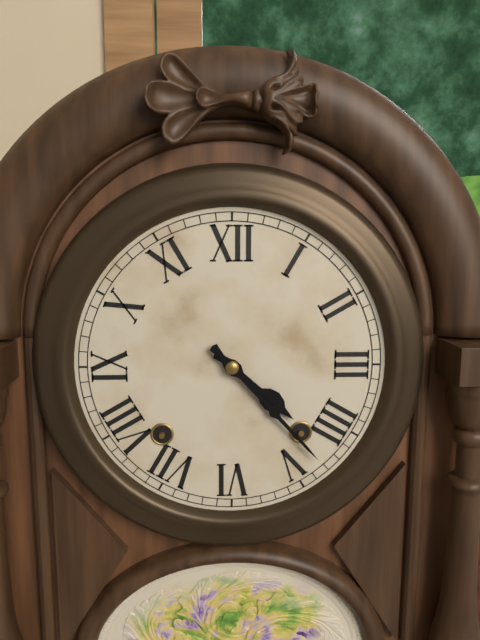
4 h 23 min
